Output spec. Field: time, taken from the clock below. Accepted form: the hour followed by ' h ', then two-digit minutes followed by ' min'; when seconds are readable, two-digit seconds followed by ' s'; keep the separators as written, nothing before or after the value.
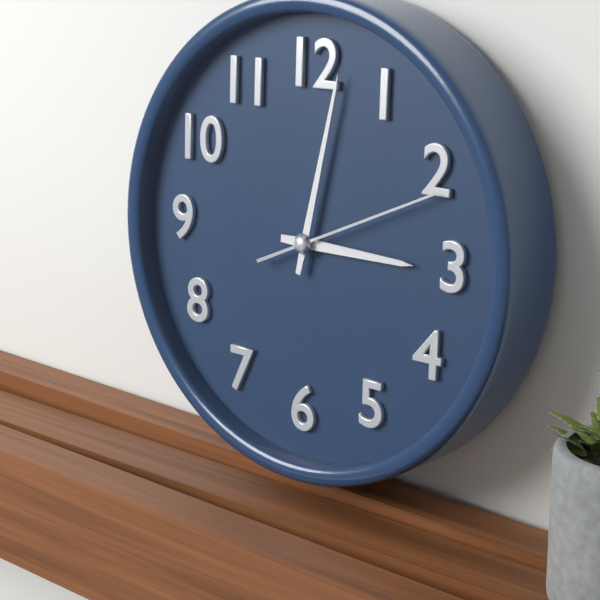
3 h 02 min 11 s
